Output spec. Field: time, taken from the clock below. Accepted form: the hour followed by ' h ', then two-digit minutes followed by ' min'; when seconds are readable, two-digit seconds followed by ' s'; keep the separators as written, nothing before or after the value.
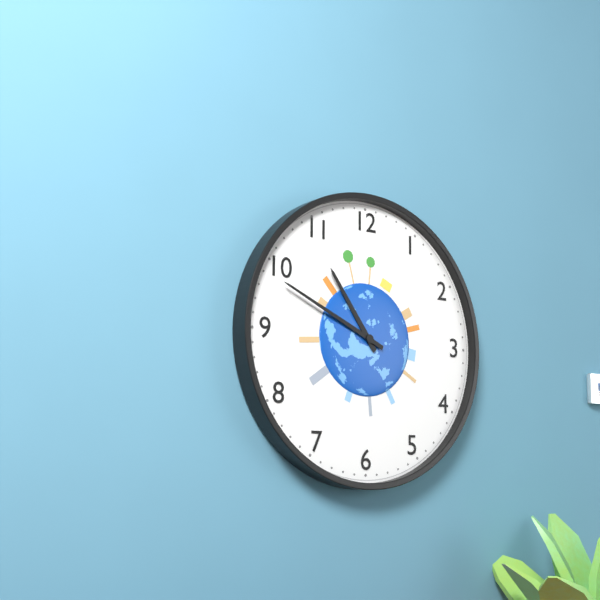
10 h 49 min
